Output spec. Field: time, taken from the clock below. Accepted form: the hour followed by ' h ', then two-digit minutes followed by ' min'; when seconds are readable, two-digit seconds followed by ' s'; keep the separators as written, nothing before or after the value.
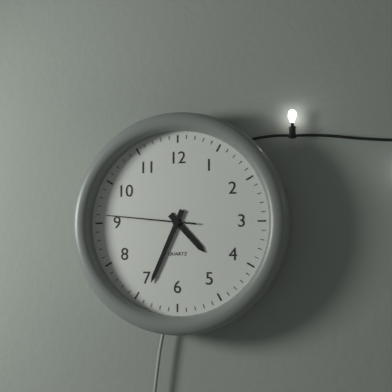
4 h 34 min 46 s
